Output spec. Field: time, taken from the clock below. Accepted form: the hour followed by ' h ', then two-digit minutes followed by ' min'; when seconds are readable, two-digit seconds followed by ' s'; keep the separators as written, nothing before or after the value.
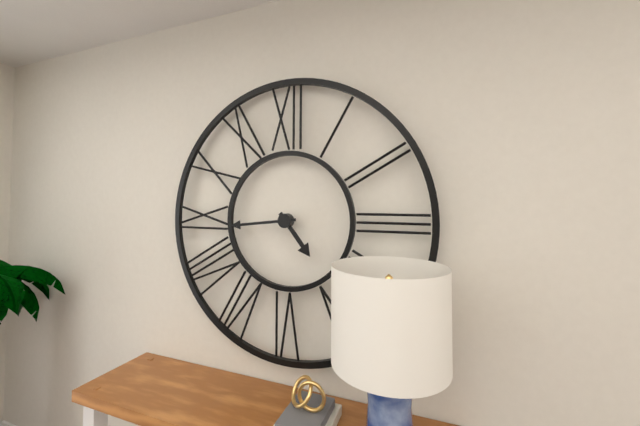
4 h 44 min
